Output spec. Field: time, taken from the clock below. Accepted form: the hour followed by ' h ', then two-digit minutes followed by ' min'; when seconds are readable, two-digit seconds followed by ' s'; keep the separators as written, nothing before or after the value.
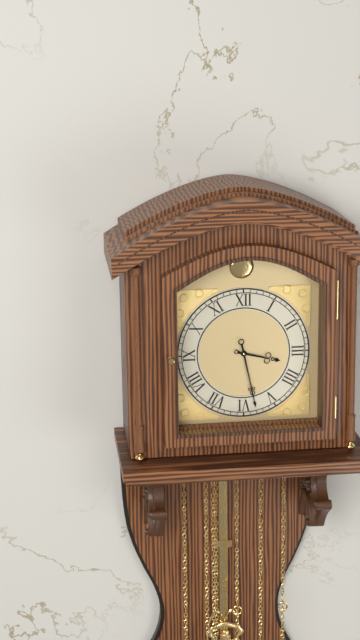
3 h 28 min
